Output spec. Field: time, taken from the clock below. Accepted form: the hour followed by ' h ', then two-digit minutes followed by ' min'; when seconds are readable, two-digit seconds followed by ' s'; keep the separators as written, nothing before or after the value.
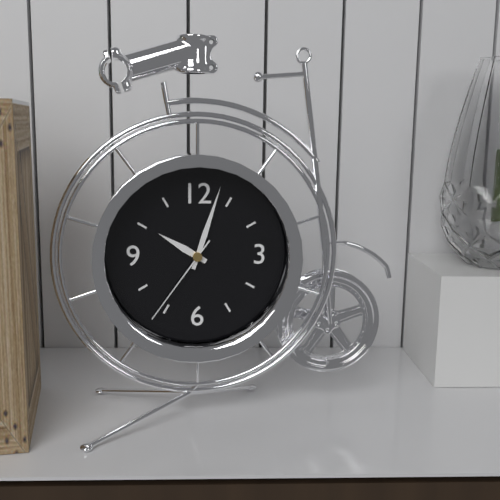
10 h 03 min 36 s
